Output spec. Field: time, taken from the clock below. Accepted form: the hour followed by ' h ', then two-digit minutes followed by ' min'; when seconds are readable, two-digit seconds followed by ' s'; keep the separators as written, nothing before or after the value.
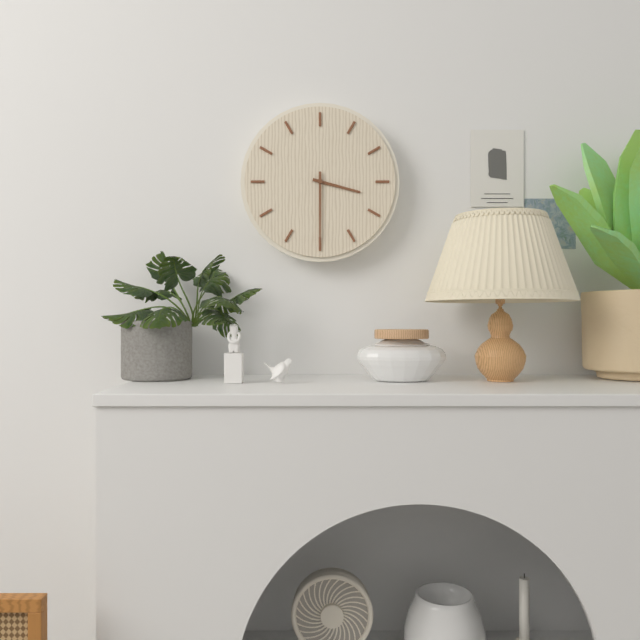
3 h 30 min
